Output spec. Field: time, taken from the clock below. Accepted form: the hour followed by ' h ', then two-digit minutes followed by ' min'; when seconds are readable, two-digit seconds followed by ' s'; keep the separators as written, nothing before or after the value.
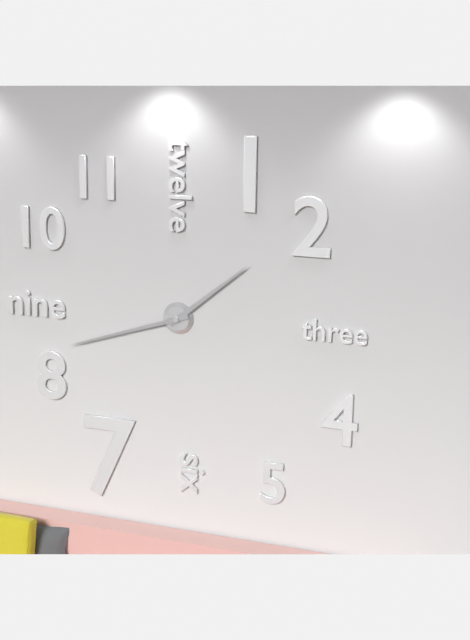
1 h 42 min
